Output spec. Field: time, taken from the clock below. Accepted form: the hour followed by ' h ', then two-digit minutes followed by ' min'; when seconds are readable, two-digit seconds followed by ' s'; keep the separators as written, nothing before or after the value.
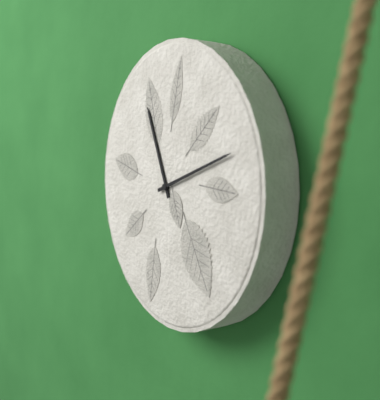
11 h 12 min
